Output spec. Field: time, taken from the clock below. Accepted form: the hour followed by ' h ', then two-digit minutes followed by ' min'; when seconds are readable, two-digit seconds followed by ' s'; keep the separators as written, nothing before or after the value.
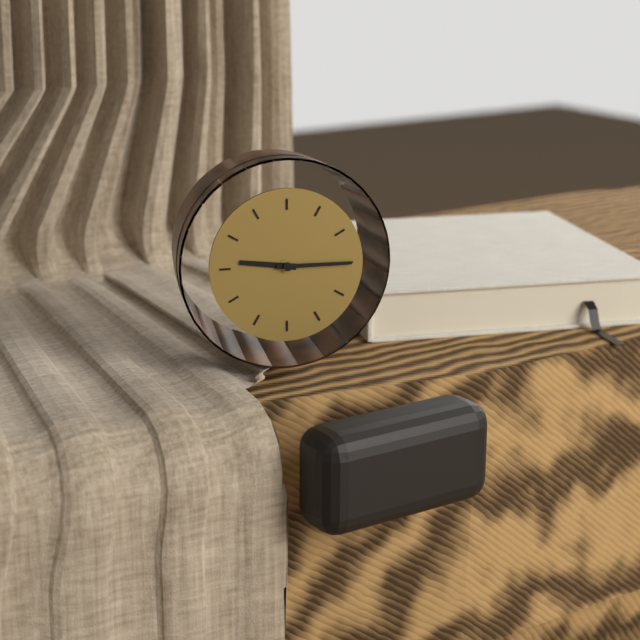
9 h 15 min
